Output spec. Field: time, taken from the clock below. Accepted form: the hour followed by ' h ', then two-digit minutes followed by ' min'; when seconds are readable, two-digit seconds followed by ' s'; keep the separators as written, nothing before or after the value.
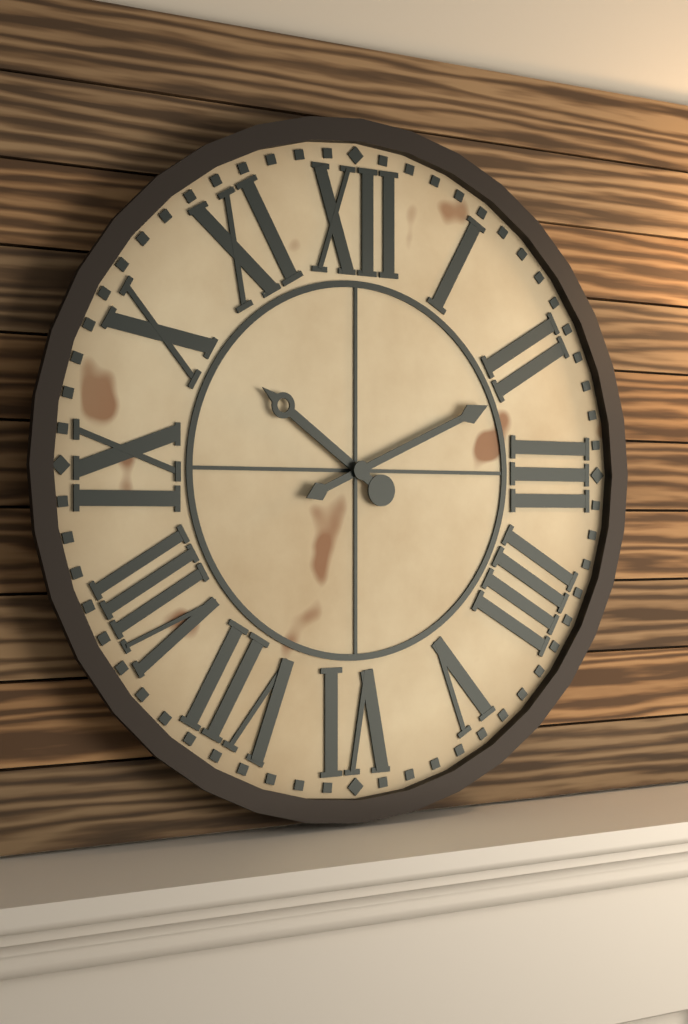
10 h 11 min
